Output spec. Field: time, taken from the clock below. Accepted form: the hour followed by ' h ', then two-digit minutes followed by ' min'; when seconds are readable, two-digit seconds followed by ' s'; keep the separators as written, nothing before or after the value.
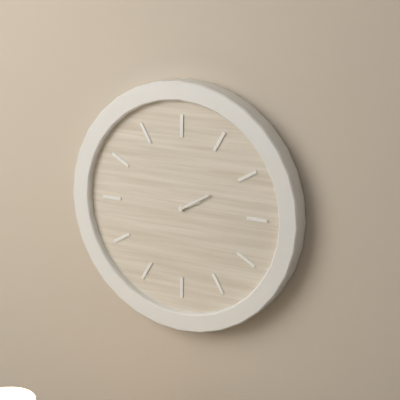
2 h 10 min
